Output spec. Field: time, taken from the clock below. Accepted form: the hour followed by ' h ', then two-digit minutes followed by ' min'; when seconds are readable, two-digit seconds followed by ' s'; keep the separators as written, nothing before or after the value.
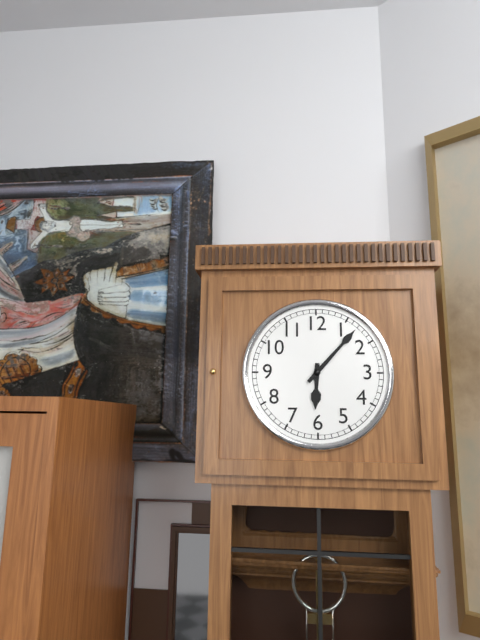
6 h 07 min
